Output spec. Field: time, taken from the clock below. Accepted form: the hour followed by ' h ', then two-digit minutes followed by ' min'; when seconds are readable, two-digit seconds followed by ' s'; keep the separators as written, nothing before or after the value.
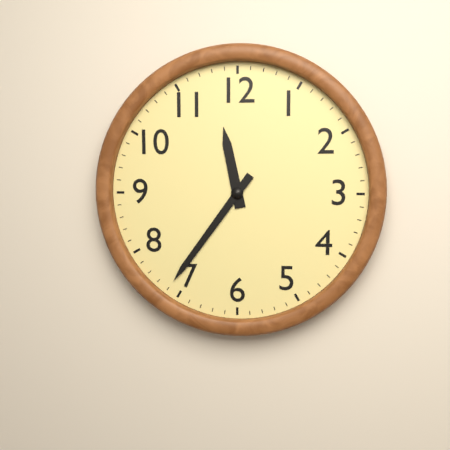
11 h 36 min
